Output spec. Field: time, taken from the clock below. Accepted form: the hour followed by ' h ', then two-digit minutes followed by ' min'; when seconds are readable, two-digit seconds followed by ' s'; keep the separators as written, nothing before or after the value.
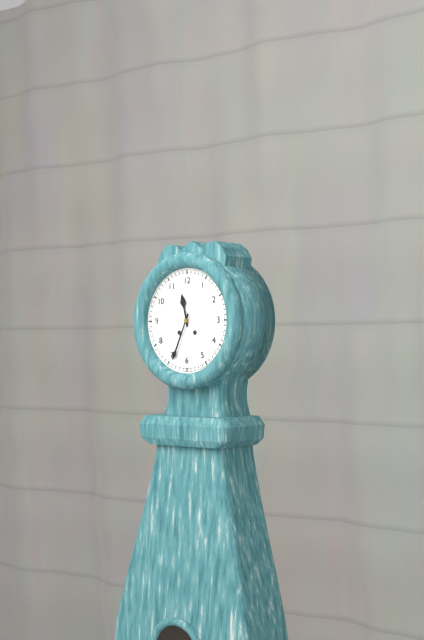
11 h 34 min
